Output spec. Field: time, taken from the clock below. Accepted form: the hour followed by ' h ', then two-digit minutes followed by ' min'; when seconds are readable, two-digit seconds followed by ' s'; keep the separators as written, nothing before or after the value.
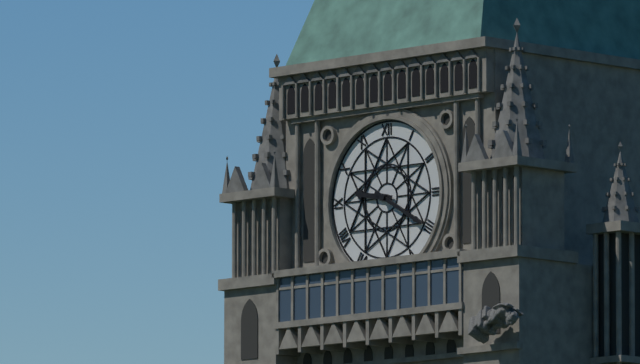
9 h 20 min
